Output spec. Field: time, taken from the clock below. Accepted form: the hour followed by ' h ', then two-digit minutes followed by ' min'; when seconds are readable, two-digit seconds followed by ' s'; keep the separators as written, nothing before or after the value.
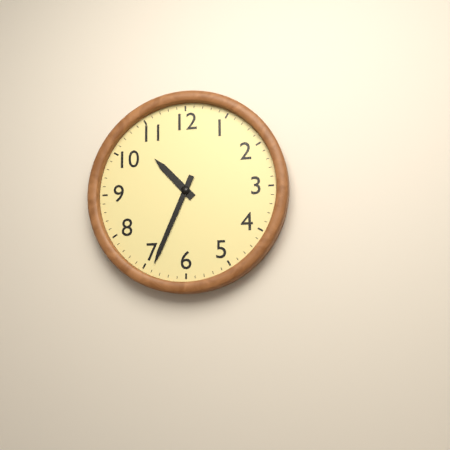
10 h 34 min
